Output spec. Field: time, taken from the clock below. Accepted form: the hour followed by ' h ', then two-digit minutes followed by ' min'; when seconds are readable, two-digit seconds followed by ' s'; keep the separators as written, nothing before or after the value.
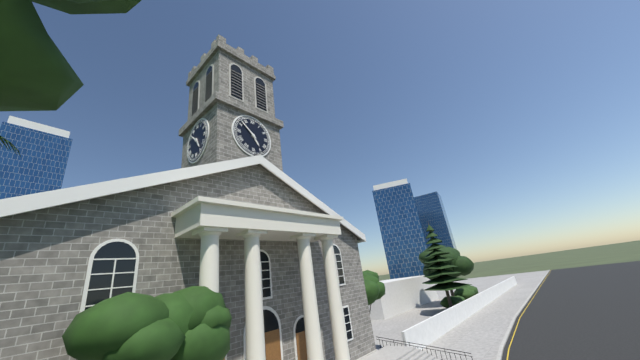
4 h 52 min
